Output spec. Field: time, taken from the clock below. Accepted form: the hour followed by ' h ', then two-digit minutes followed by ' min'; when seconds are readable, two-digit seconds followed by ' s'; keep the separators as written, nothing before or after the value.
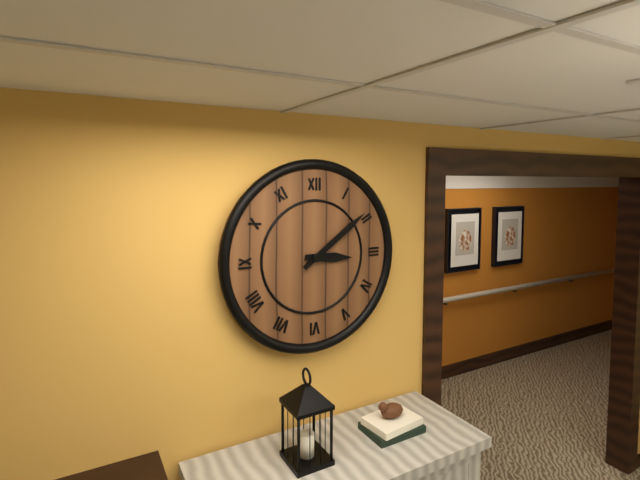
3 h 09 min
